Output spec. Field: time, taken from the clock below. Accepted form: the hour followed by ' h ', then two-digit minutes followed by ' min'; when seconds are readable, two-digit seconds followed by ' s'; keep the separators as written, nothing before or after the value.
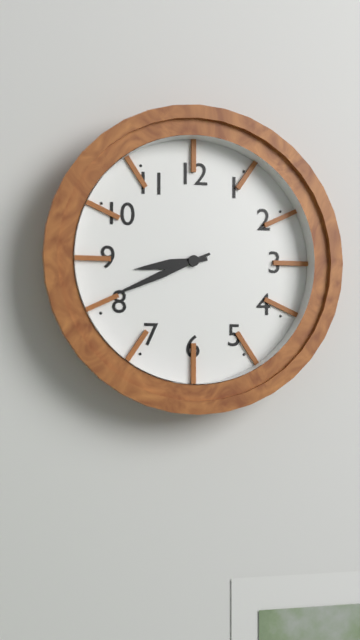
8 h 41 min
